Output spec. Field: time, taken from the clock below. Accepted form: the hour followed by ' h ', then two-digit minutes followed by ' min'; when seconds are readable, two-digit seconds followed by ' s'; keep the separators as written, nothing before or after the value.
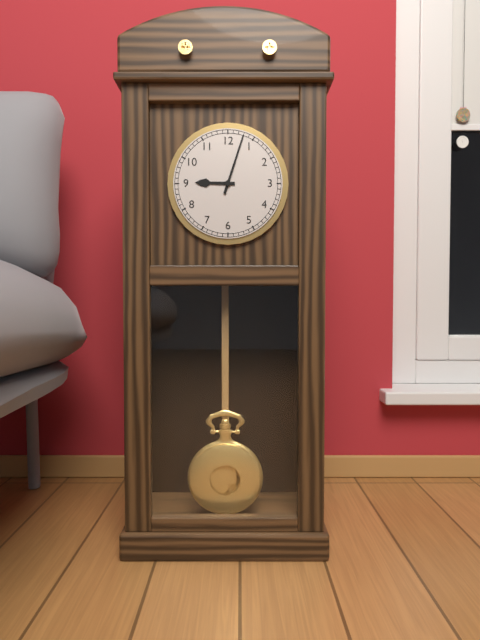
9 h 03 min
